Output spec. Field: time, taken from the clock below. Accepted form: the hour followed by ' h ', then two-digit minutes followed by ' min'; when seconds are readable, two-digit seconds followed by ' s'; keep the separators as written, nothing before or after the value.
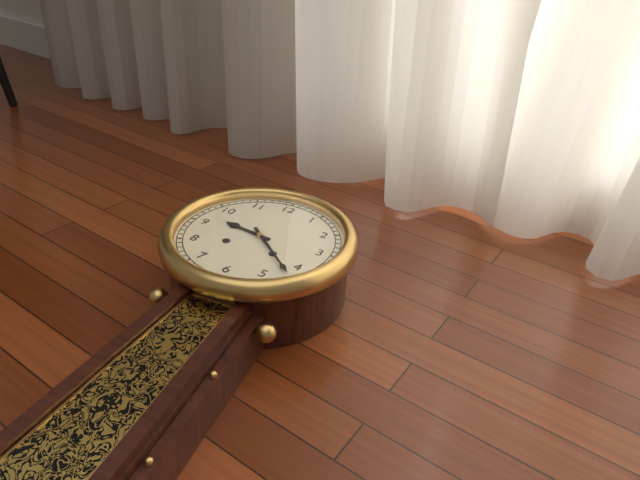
9 h 22 min
